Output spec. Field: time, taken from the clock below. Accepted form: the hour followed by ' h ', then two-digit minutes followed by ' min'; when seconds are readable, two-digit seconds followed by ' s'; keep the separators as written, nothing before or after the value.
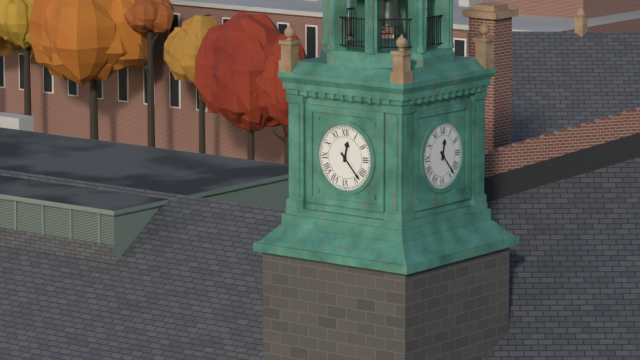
12 h 23 min
